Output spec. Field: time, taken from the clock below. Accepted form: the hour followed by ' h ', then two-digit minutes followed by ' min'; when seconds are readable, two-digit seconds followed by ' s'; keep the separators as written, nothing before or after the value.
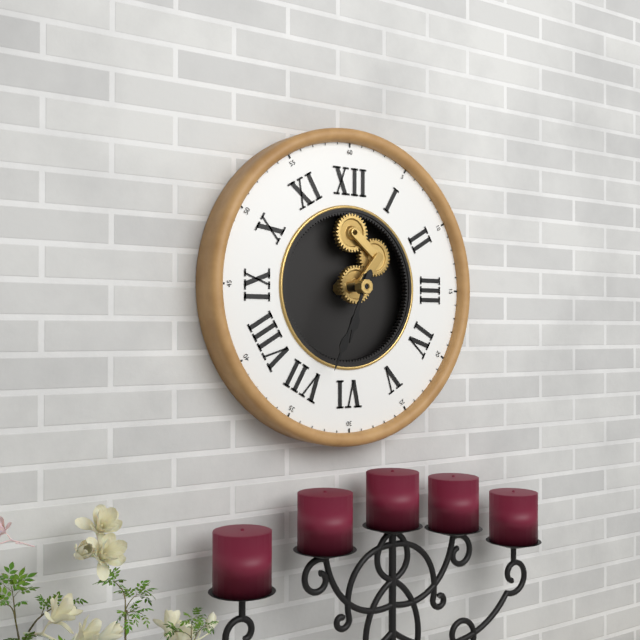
6 h 34 min
